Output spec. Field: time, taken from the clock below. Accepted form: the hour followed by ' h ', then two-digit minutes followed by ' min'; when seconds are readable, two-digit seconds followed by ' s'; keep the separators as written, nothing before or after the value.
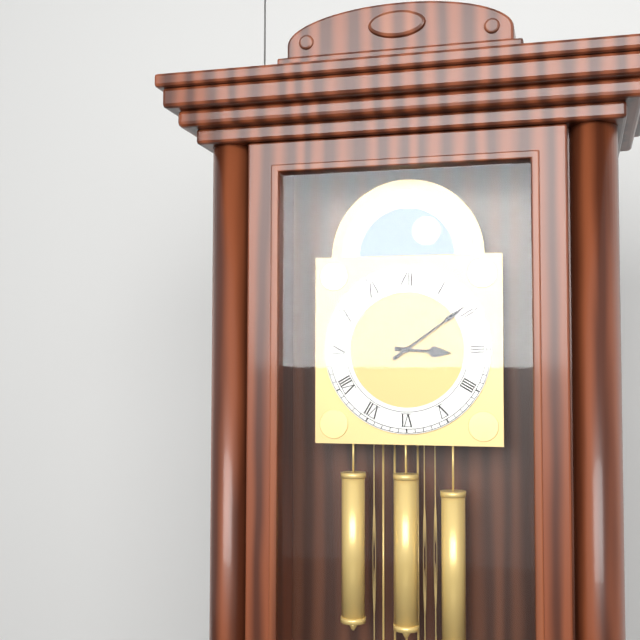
3 h 09 min
